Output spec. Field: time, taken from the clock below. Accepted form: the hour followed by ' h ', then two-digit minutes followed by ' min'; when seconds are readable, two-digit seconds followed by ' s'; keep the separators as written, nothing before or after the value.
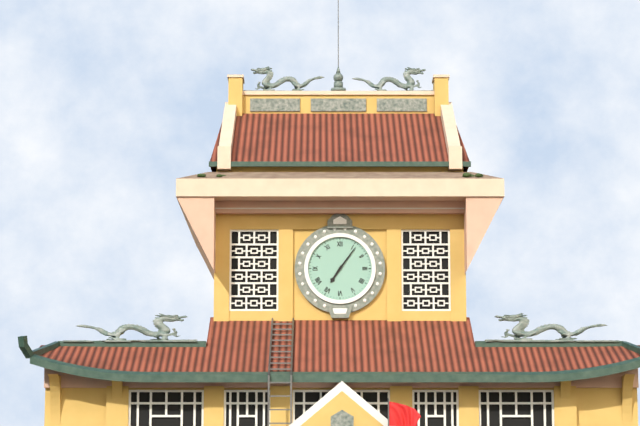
7 h 06 min
